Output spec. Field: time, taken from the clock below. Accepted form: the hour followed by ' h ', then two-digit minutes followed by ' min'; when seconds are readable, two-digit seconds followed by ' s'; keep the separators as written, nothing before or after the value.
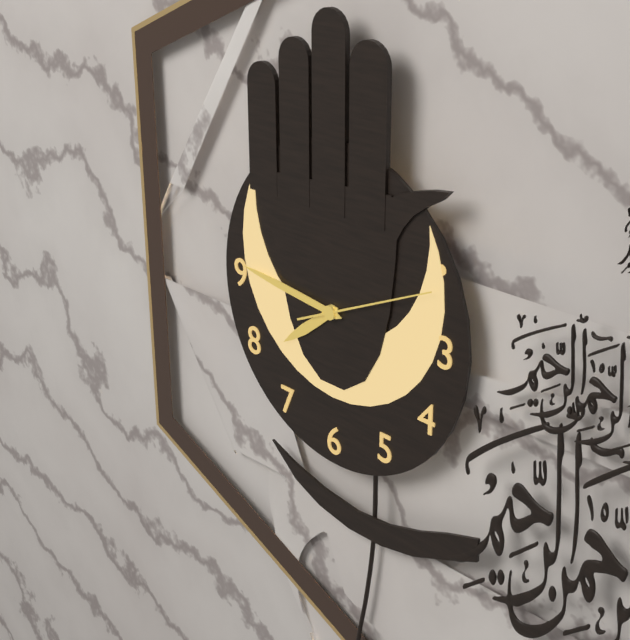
7 h 46 min 11 s
